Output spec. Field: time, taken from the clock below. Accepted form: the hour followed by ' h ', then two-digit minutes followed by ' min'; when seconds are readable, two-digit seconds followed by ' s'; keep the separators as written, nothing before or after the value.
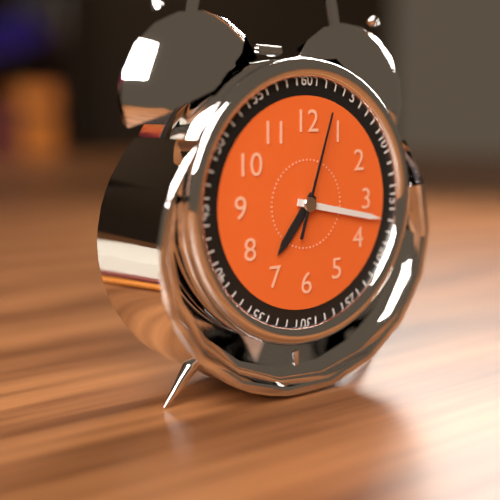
7 h 17 min 03 s
